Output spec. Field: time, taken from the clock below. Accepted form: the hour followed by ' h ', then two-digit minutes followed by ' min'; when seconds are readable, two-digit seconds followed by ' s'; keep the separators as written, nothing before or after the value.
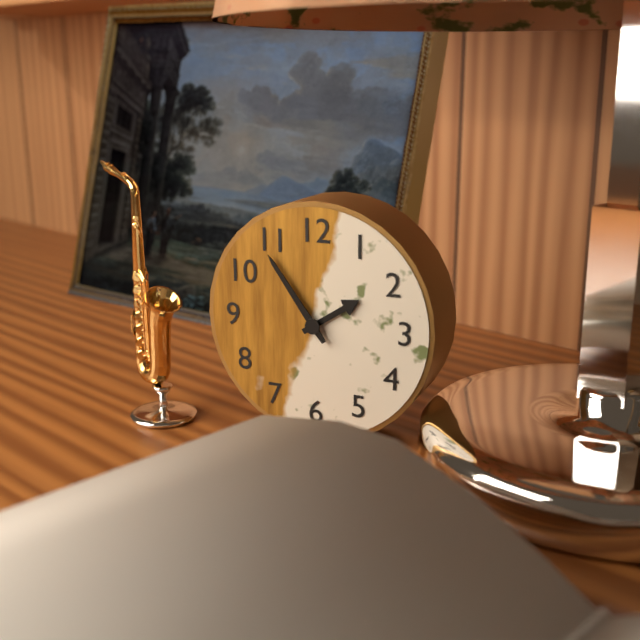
1 h 54 min
